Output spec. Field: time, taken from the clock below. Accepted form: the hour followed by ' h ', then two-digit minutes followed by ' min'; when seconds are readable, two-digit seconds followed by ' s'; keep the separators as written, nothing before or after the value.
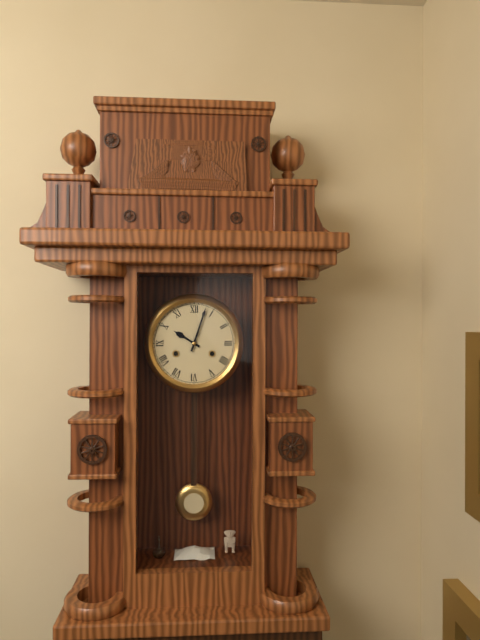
10 h 03 min
